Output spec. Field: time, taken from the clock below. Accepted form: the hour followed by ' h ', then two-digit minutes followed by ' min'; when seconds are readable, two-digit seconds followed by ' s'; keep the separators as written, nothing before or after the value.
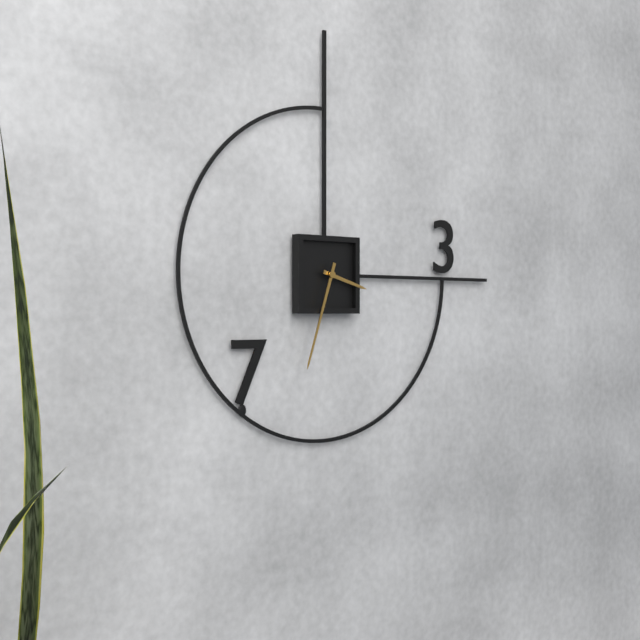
3 h 33 min
